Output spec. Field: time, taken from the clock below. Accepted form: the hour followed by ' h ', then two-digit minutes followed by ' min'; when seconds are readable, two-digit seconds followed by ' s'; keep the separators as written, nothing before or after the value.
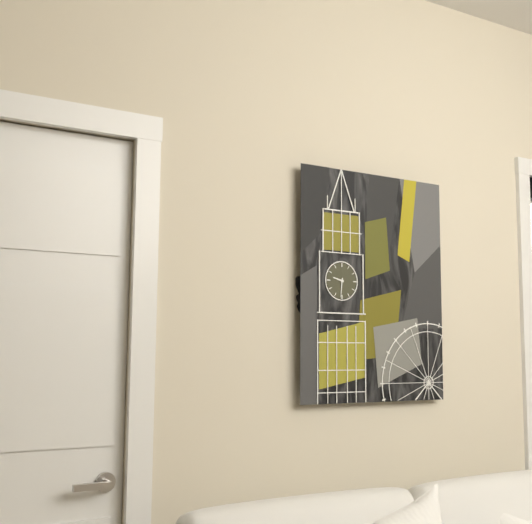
9 h 31 min
